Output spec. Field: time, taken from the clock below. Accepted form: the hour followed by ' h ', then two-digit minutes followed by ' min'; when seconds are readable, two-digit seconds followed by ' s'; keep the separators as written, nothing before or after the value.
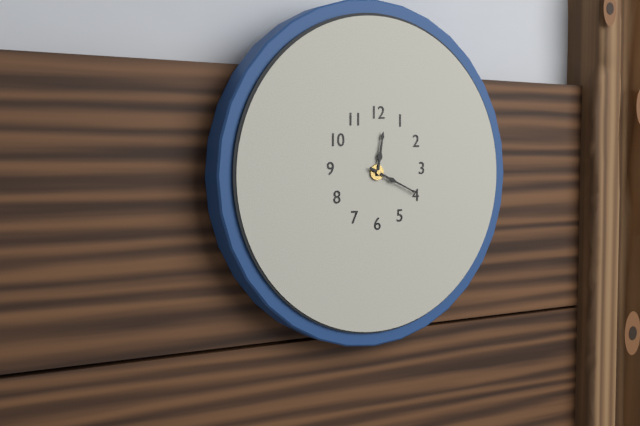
12 h 19 min
